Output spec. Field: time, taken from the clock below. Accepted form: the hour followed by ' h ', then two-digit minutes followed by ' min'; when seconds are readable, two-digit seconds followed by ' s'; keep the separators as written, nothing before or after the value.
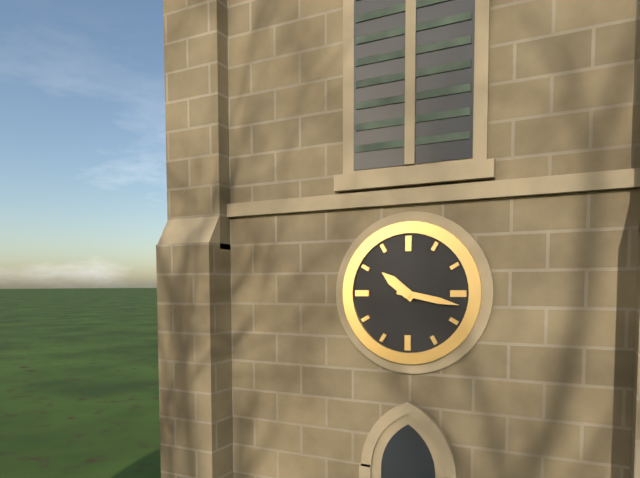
10 h 17 min
